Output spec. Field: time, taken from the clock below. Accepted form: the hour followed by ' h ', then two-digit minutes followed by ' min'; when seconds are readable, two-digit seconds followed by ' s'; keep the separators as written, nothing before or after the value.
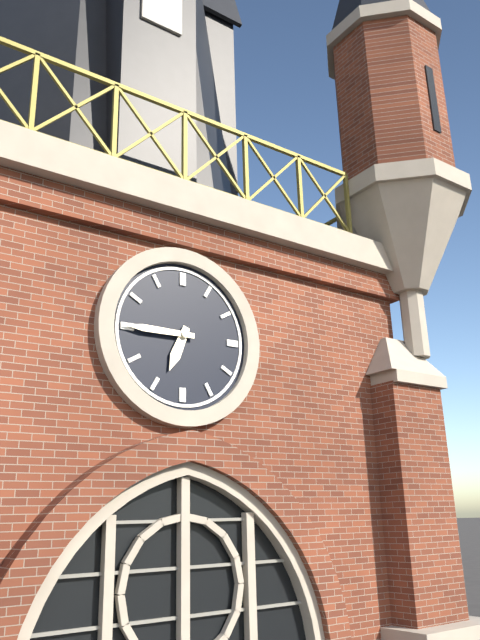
6 h 45 min
